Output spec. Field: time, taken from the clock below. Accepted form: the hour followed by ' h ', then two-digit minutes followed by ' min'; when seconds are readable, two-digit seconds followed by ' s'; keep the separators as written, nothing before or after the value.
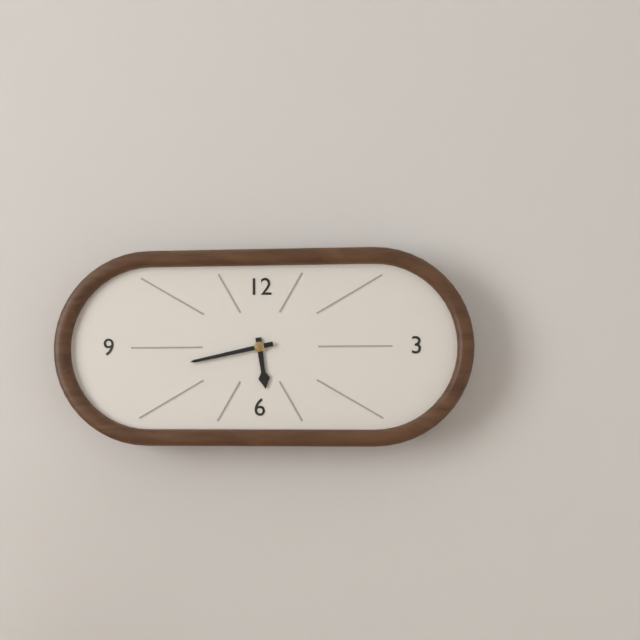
5 h 43 min
